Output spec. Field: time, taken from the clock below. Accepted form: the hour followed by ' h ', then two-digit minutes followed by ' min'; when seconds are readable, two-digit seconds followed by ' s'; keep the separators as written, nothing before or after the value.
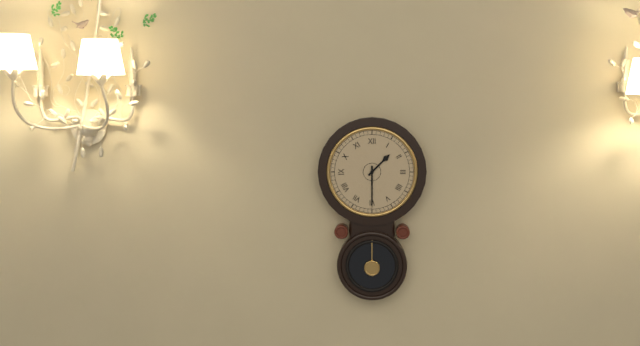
1 h 30 min
